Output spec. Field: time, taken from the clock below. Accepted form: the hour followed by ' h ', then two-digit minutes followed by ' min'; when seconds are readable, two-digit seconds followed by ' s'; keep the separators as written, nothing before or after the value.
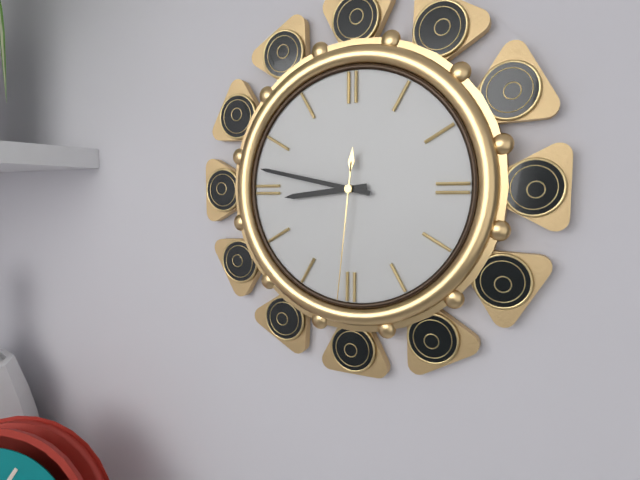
8 h 47 min 31 s
